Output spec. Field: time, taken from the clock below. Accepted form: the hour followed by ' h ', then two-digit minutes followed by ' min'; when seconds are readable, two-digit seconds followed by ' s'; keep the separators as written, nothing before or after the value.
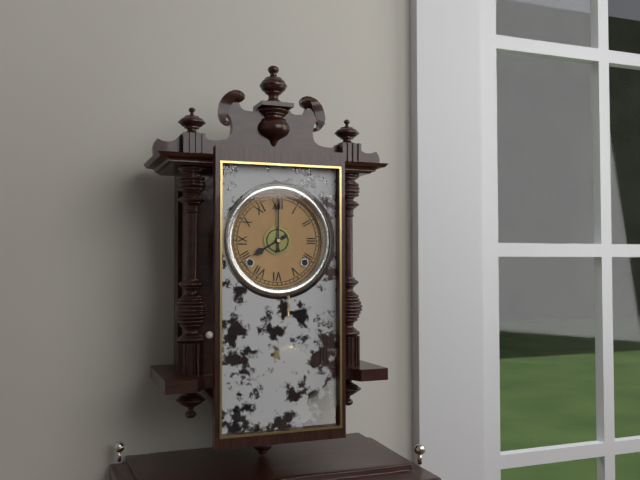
8 h 00 min
